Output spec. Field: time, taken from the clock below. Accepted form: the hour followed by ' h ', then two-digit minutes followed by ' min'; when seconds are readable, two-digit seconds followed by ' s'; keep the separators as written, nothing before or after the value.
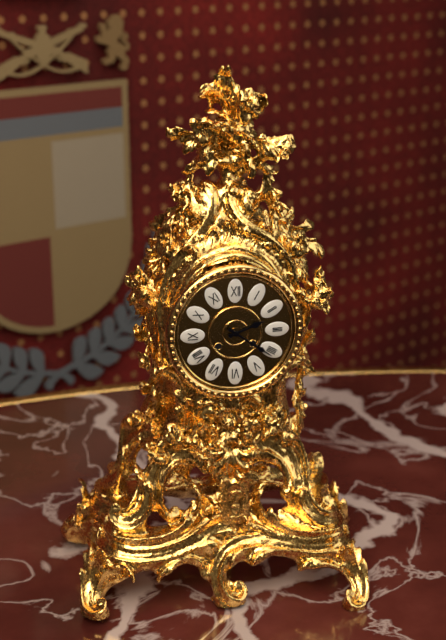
2 h 21 min
